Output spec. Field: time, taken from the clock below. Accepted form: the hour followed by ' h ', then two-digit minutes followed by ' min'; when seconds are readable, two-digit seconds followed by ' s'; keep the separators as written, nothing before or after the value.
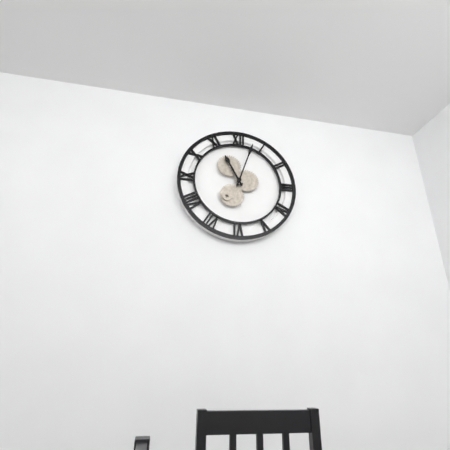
11 h 03 min
